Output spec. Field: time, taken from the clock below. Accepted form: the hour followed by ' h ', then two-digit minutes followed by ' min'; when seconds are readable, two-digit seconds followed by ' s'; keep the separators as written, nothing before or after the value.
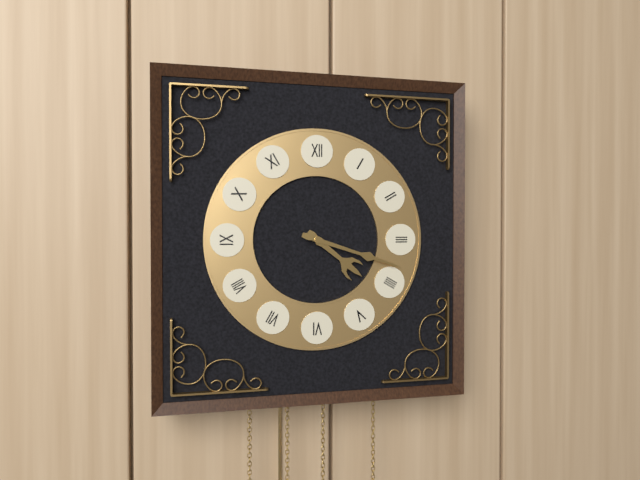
4 h 18 min
